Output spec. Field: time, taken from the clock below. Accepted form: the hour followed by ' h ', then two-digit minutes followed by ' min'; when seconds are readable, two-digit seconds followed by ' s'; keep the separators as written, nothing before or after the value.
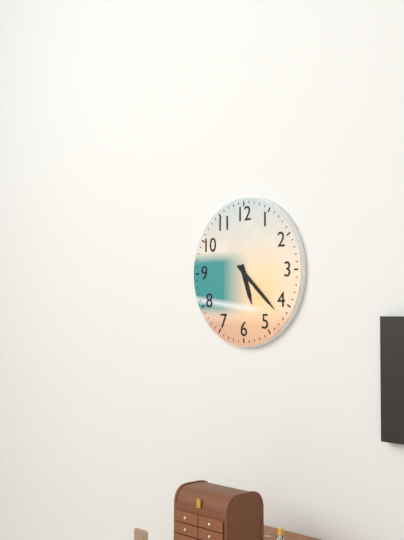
5 h 22 min
